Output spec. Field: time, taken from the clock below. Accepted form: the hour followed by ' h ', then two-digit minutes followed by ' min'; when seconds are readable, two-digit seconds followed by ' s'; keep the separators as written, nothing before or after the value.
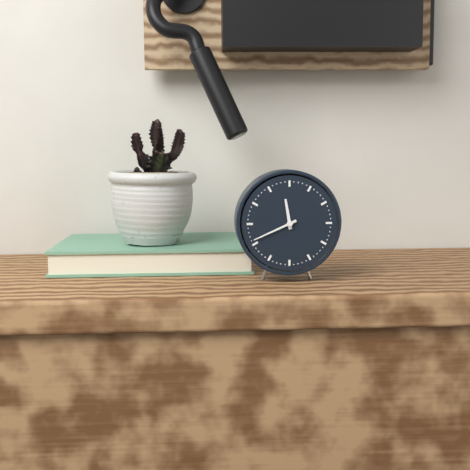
11 h 41 min
